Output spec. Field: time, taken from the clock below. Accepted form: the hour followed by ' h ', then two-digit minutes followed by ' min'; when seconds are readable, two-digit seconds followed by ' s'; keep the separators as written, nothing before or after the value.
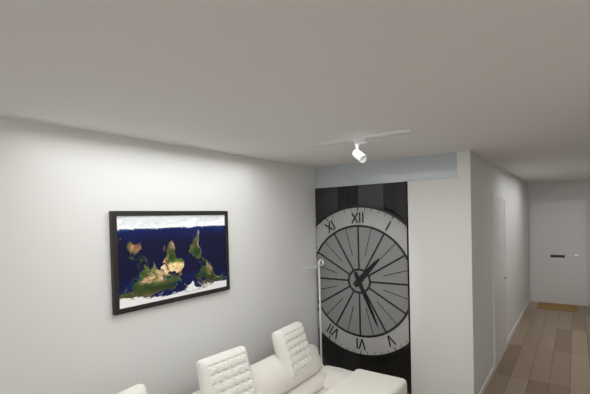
1 h 26 min
